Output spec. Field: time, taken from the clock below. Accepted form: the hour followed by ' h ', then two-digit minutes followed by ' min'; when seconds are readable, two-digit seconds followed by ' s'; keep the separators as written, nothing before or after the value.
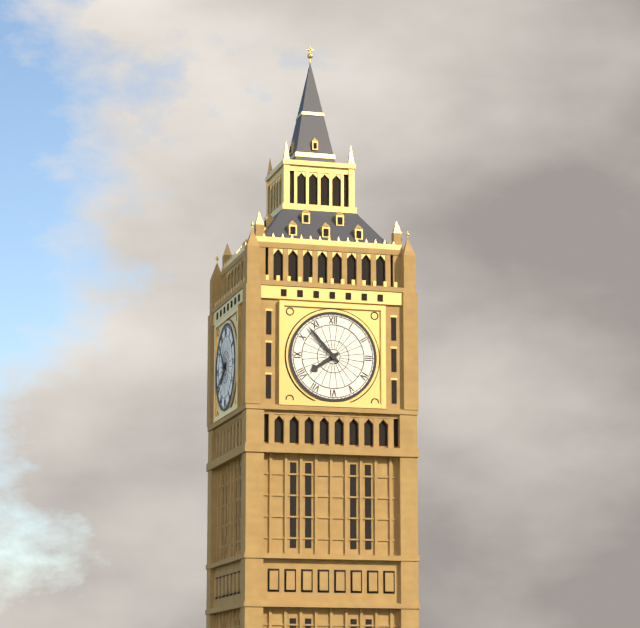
7 h 53 min
